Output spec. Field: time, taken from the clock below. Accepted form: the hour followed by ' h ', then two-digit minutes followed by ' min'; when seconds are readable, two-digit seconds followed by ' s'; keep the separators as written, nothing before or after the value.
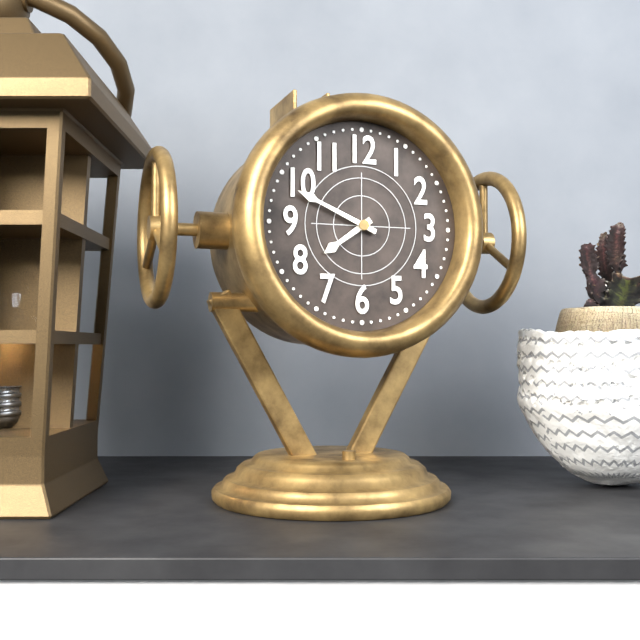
7 h 49 min
